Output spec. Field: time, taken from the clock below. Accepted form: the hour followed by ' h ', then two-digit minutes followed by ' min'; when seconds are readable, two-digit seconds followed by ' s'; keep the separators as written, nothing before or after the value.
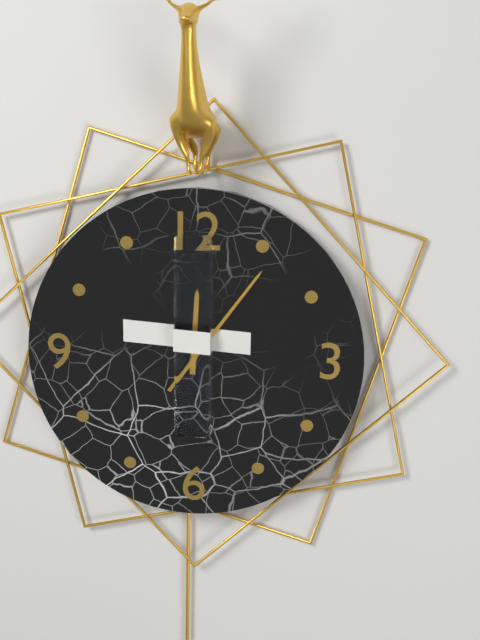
12 h 06 min
